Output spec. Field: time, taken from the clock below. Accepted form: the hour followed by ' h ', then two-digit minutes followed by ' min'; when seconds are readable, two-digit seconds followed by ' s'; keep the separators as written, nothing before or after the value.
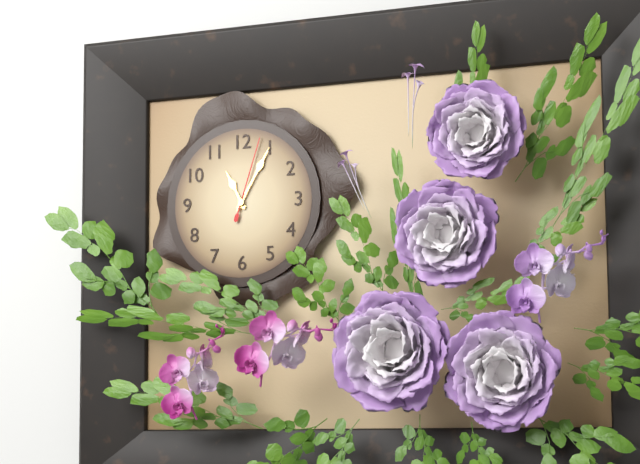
11 h 05 min 03 s
